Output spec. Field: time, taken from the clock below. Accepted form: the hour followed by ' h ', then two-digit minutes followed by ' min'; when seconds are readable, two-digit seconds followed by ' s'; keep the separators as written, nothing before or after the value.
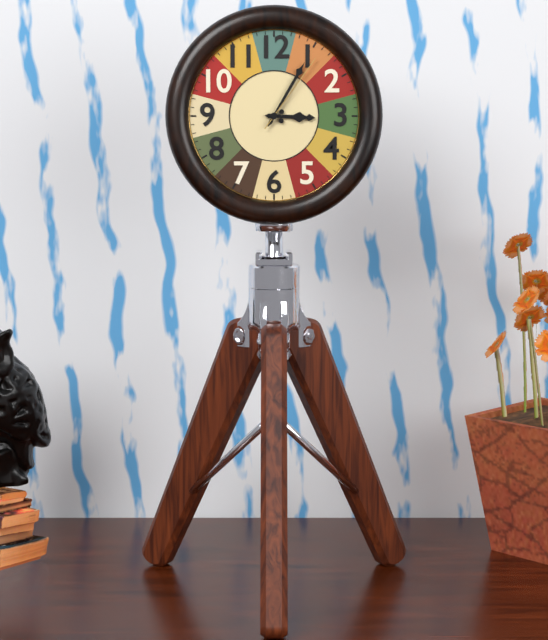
3 h 05 min 06 s
